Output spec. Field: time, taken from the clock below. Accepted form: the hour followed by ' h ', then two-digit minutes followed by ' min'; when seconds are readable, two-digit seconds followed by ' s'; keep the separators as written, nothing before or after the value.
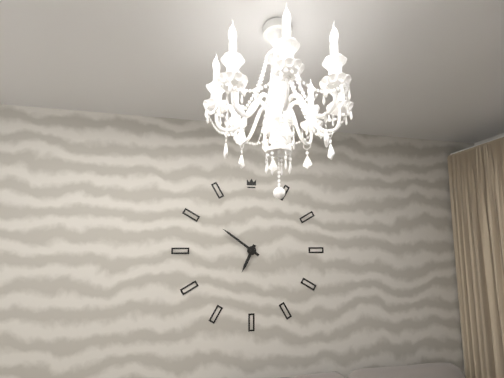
6 h 51 min
